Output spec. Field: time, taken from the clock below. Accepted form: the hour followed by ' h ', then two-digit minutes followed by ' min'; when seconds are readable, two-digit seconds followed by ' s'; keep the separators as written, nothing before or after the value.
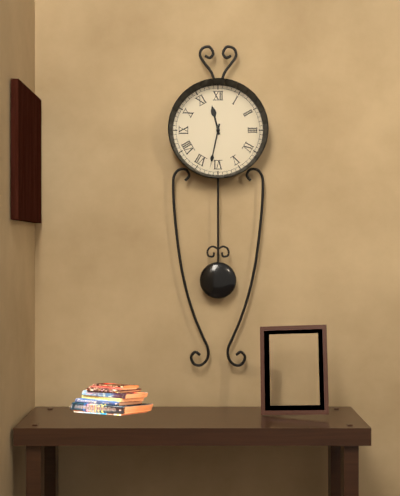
11 h 32 min
